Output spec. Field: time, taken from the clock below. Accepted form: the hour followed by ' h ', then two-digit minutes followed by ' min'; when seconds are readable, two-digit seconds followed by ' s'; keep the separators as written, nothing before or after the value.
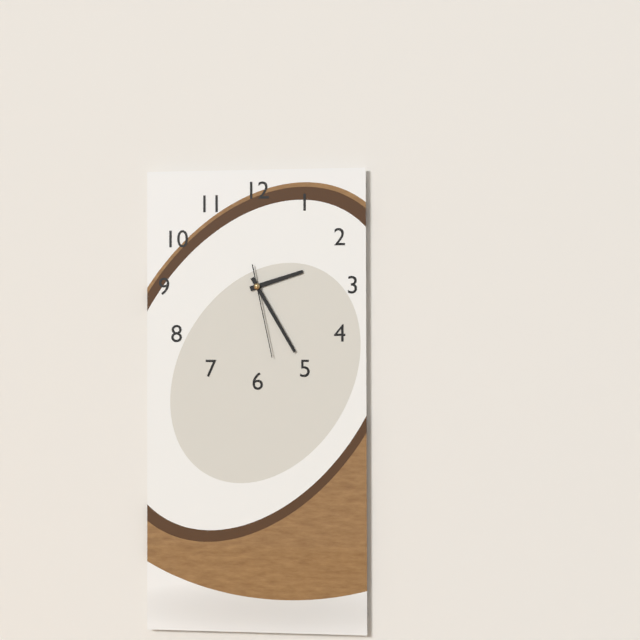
2 h 25 min 28 s
